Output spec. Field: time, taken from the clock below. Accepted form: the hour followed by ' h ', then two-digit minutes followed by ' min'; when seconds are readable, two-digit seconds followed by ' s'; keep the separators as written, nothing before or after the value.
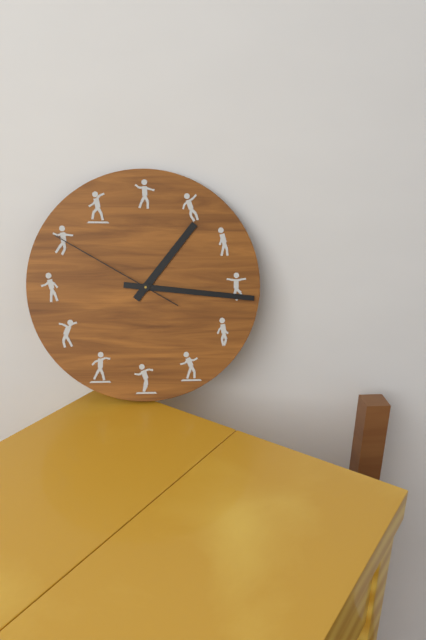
1 h 16 min 50 s
